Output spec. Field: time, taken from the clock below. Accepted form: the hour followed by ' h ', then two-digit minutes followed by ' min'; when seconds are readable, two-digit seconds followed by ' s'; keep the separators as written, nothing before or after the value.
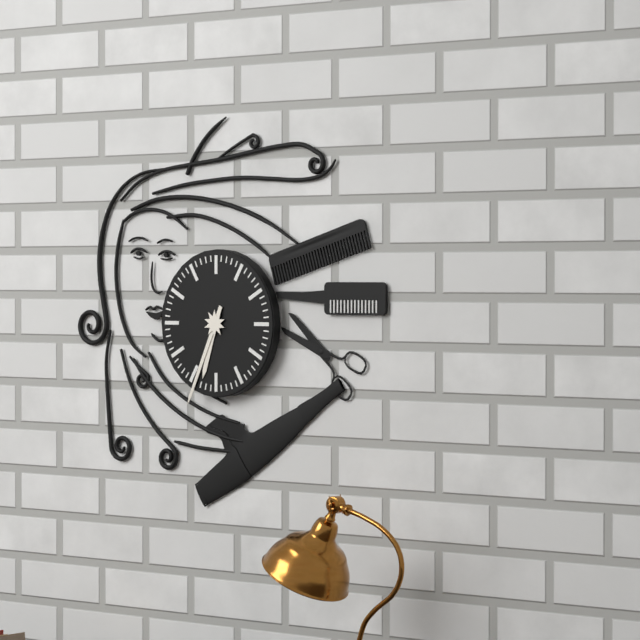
6 h 34 min
